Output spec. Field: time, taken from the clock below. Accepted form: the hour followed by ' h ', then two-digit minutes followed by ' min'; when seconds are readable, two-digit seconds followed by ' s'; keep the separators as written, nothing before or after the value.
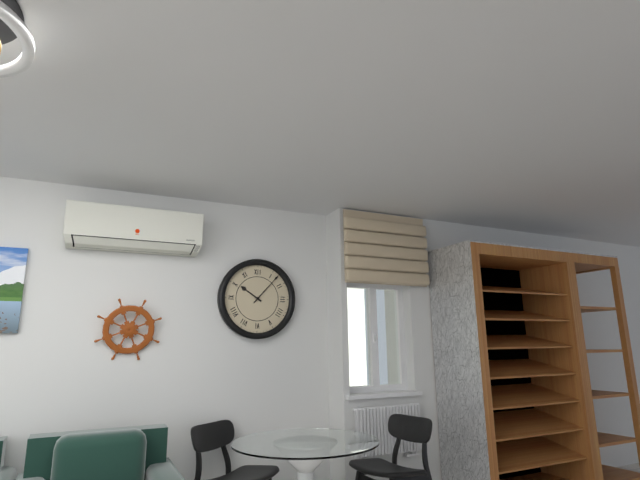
10 h 07 min
